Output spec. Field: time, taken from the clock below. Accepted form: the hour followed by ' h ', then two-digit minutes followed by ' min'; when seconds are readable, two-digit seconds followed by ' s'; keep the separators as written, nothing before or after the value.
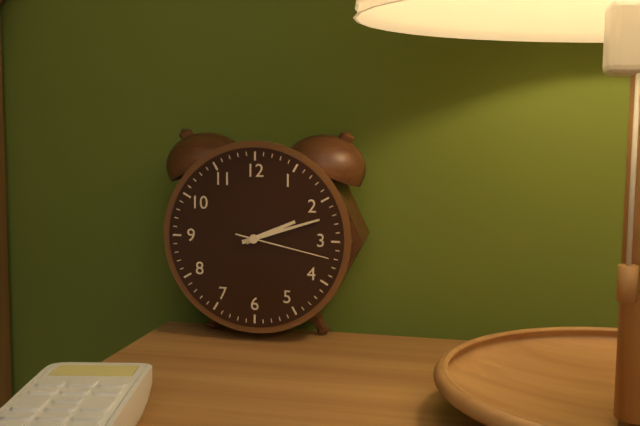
2 h 12 min 17 s
